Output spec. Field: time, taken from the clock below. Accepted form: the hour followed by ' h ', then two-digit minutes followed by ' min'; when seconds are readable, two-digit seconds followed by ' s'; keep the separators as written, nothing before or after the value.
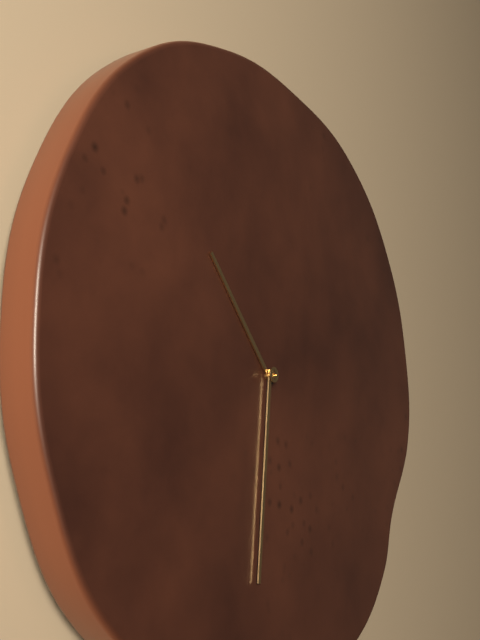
10 h 31 min
